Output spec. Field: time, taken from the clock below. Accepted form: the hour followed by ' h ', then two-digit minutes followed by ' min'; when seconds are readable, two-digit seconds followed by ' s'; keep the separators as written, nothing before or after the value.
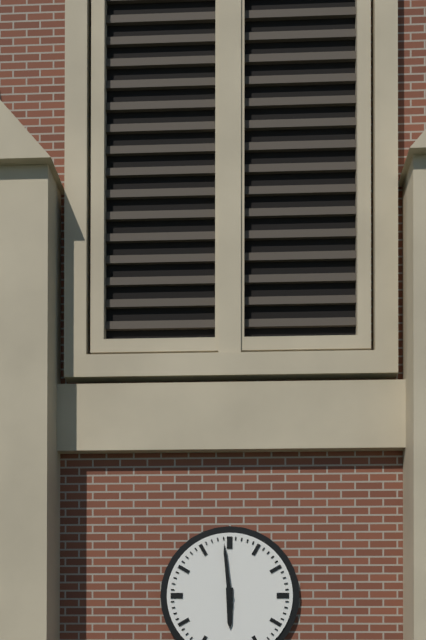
5 h 59 min
